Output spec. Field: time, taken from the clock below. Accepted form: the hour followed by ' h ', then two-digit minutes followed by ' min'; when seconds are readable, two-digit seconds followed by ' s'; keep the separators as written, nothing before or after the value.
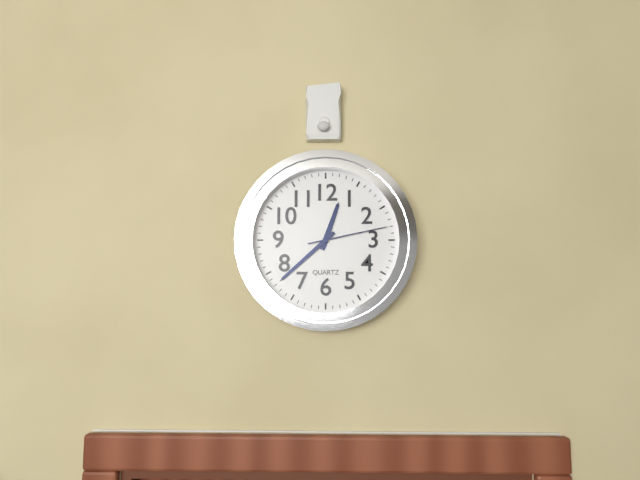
12 h 38 min 13 s
